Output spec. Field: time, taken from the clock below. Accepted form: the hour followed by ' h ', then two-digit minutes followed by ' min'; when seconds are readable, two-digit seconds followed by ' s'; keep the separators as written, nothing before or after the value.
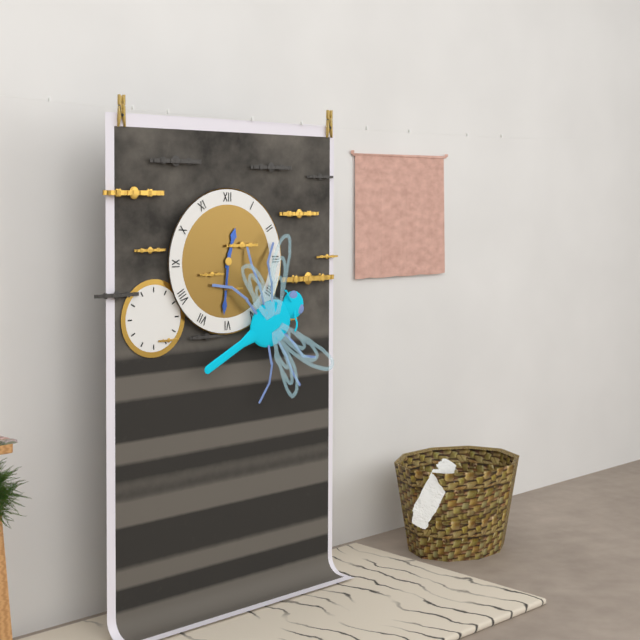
12 h 31 min
